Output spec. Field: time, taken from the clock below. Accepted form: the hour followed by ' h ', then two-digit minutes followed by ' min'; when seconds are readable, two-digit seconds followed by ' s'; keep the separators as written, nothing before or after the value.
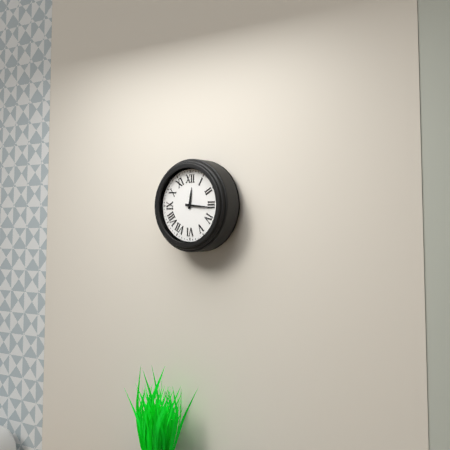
12 h 16 min
